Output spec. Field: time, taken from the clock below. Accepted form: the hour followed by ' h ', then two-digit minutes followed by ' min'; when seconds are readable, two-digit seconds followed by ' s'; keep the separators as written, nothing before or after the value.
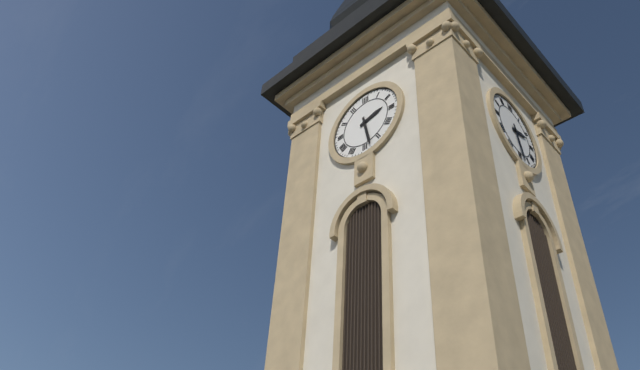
2 h 28 min
